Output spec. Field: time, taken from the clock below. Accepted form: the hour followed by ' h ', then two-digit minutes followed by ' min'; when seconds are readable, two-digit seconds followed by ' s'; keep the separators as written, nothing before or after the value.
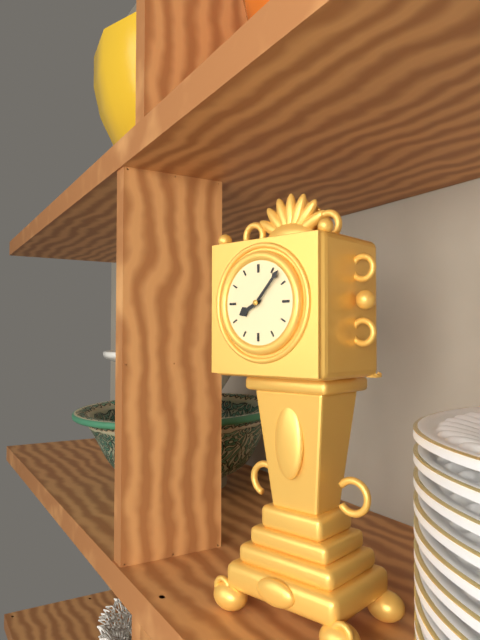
8 h 07 min
